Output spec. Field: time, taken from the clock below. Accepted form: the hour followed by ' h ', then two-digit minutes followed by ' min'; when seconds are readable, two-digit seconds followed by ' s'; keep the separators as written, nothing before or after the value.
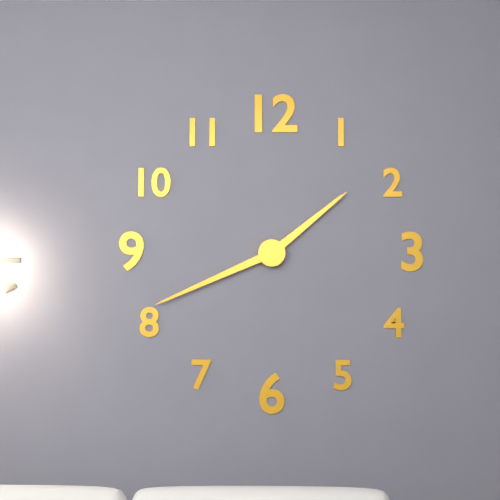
1 h 41 min
